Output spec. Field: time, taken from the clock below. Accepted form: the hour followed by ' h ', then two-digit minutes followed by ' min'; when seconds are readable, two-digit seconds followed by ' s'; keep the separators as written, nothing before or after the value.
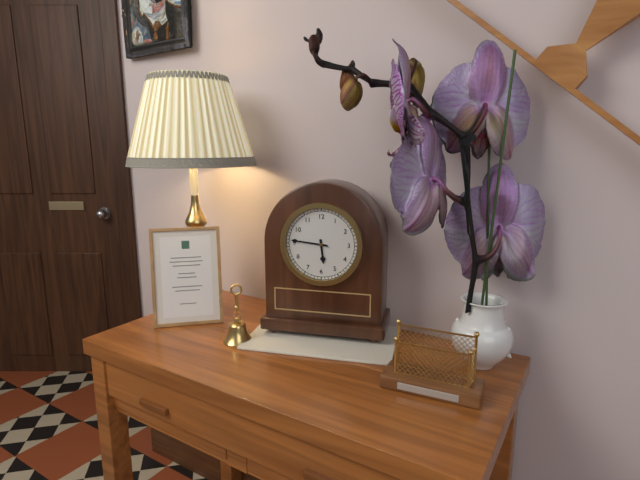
5 h 46 min
